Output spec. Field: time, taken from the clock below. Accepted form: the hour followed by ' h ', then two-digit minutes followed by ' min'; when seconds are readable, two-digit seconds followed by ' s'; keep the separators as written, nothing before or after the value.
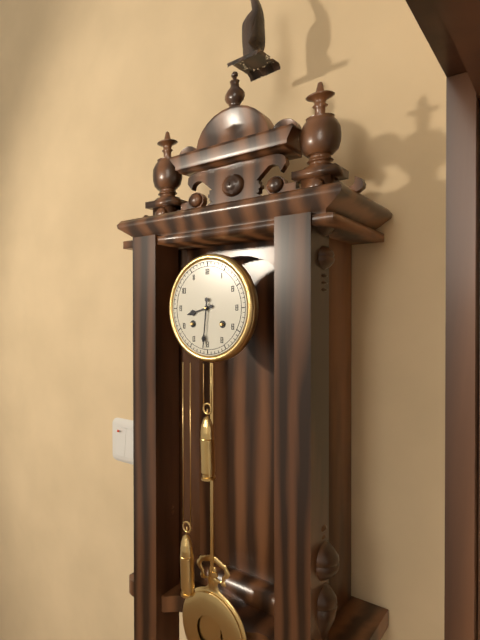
8 h 31 min
